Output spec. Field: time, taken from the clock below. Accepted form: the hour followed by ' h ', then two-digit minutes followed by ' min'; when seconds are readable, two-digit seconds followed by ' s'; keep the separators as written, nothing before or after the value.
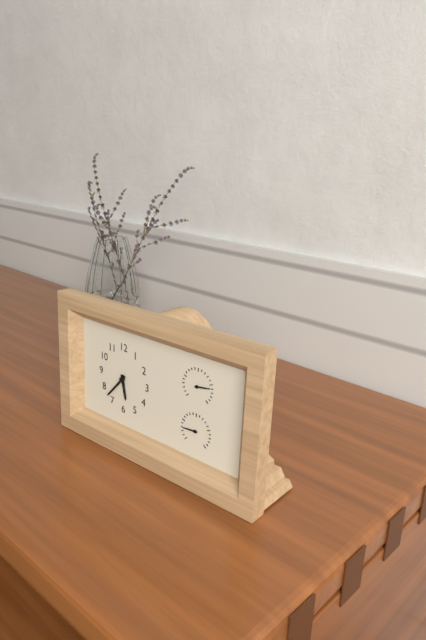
5 h 37 min
